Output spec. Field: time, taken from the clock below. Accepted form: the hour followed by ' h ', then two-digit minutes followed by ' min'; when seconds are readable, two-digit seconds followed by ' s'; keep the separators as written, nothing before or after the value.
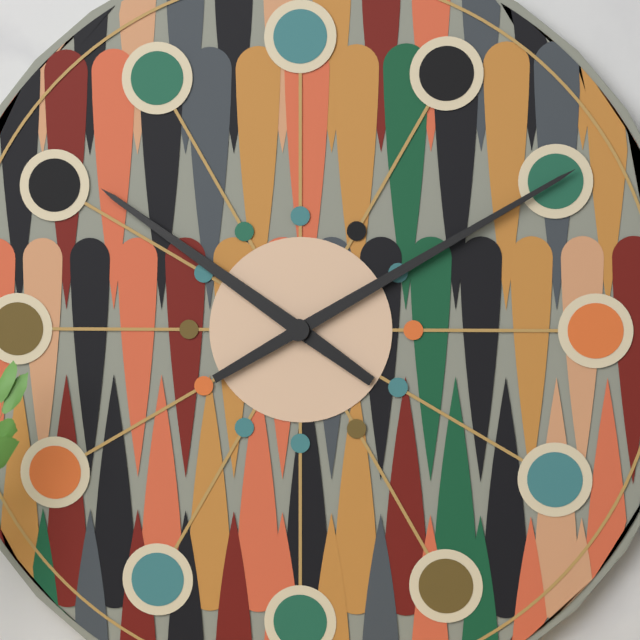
10 h 10 min
